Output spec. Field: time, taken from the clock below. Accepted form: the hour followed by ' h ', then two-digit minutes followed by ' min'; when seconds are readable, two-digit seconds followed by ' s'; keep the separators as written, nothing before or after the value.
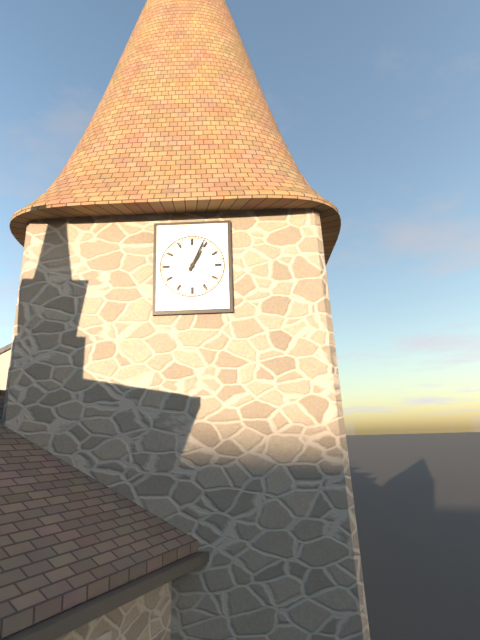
1 h 04 min
